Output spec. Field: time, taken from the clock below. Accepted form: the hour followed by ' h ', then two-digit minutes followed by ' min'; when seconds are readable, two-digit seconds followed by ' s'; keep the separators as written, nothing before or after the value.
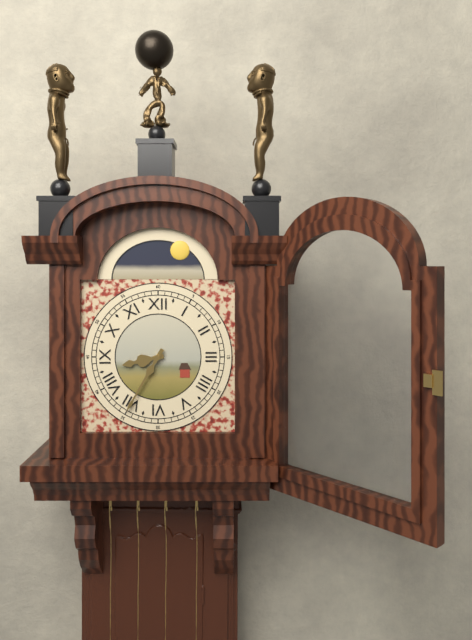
8 h 35 min
